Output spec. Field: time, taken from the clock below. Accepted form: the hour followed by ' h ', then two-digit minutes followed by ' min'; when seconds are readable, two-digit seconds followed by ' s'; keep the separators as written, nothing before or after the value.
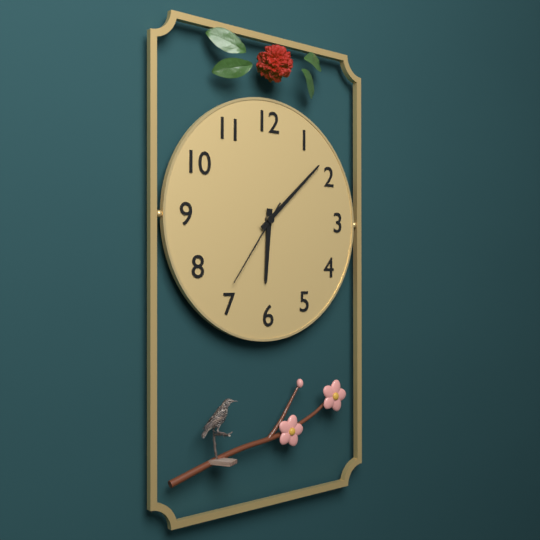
6 h 08 min 36 s
